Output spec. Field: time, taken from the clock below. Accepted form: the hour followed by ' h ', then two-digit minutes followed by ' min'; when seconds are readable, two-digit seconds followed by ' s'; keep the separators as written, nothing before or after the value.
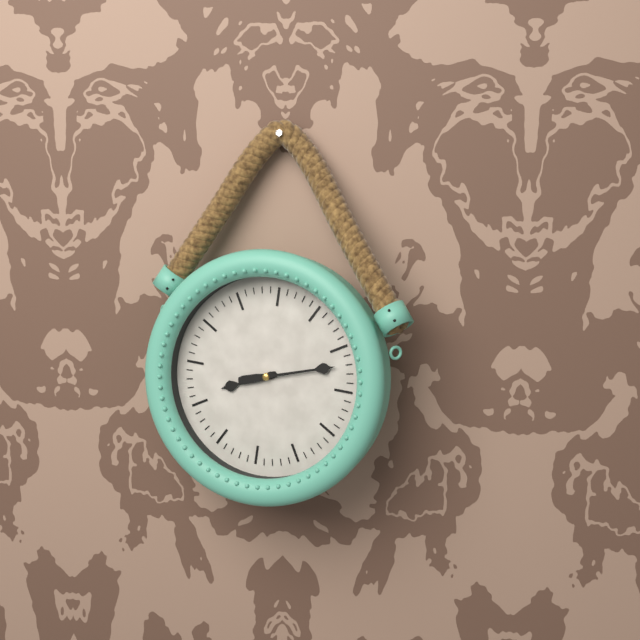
8 h 12 min
